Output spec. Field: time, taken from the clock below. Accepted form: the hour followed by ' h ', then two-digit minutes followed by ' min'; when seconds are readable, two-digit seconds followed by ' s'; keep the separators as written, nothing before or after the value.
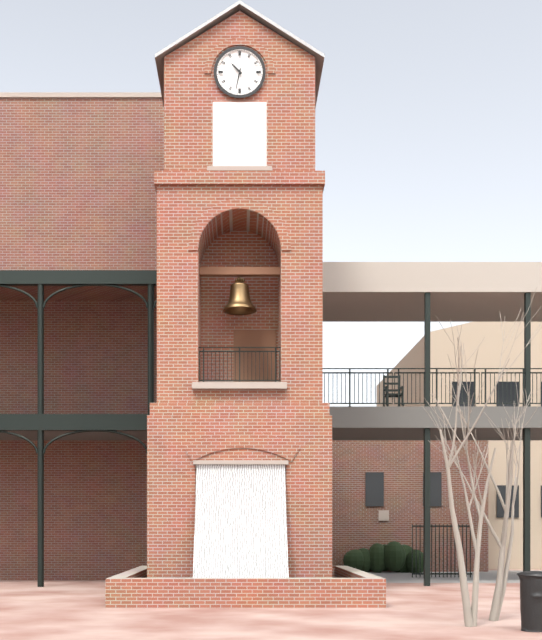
10 h 32 min
